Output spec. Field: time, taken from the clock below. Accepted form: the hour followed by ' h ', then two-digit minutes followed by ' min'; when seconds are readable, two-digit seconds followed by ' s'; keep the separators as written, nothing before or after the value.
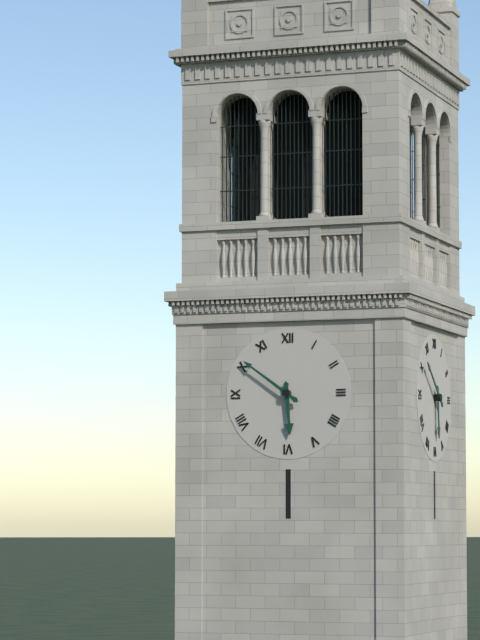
5 h 51 min
